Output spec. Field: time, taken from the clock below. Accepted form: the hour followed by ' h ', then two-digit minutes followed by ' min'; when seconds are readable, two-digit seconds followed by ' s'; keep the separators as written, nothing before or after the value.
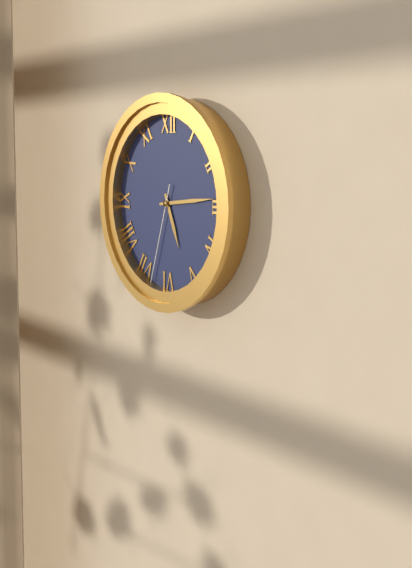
5 h 14 min 33 s
